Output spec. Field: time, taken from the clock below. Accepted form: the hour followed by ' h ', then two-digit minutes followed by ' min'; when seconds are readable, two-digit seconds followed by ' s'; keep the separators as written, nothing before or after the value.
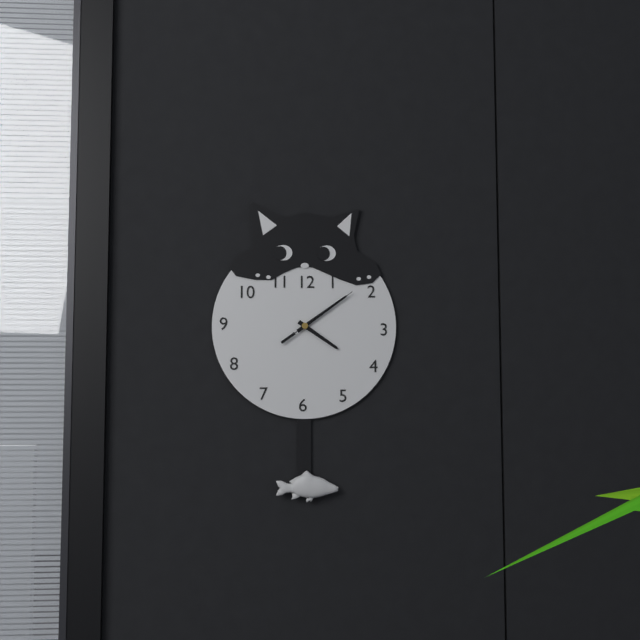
4 h 09 min 09 s
